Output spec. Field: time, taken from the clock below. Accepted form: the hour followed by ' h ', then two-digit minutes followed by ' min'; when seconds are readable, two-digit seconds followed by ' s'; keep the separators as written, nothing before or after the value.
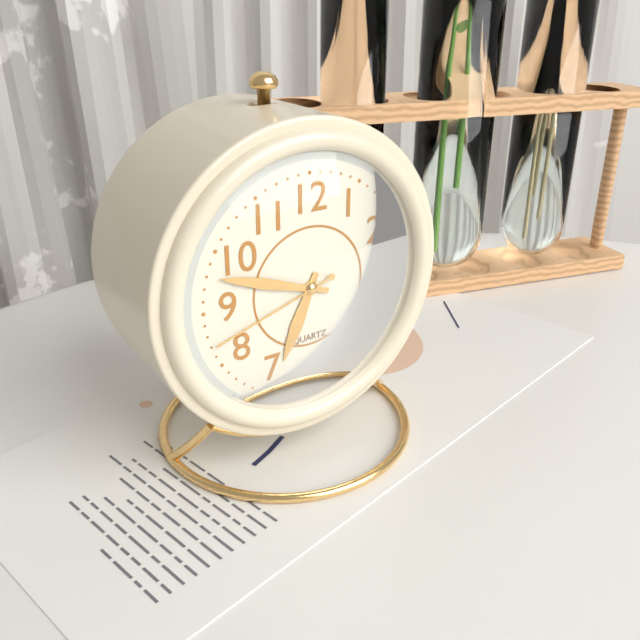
6 h 48 min 42 s
